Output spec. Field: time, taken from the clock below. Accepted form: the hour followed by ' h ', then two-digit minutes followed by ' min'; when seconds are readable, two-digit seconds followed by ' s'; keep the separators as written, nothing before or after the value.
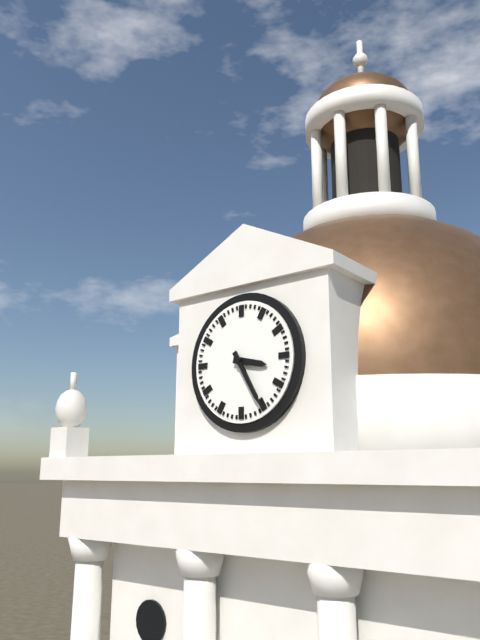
3 h 25 min
